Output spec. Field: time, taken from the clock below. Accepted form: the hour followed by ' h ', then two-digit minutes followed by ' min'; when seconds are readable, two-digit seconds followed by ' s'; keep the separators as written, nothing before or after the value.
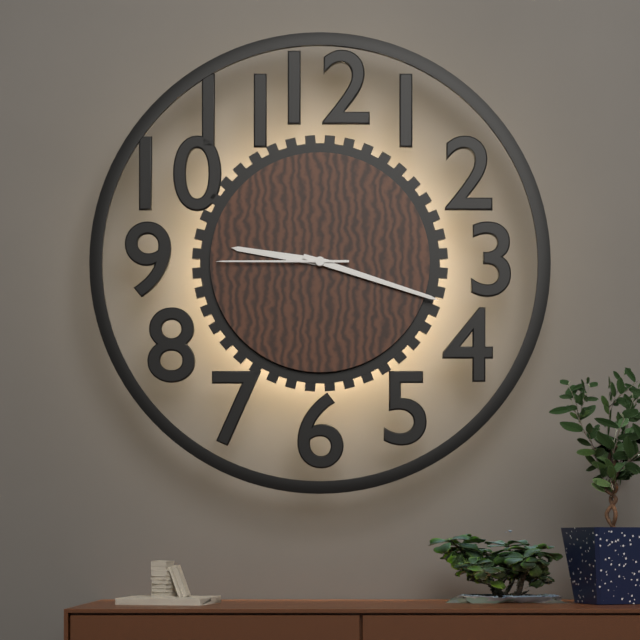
9 h 18 min 45 s
